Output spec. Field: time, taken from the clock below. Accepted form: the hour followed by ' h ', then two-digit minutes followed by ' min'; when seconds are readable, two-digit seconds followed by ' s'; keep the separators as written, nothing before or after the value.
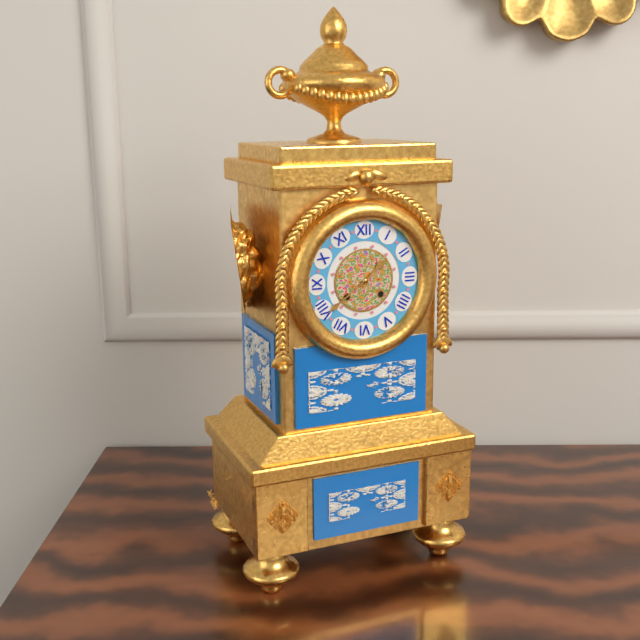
1 h 39 min
